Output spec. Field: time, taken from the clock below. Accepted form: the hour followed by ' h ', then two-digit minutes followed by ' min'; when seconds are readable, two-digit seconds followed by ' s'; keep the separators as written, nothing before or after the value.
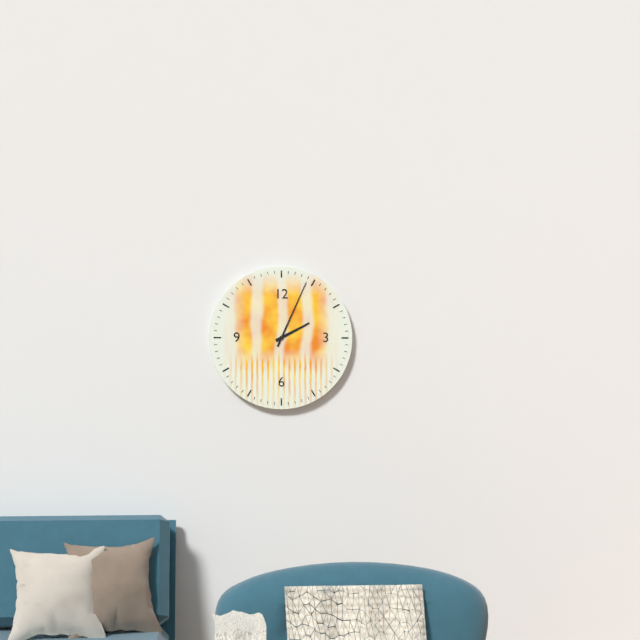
2 h 04 min
